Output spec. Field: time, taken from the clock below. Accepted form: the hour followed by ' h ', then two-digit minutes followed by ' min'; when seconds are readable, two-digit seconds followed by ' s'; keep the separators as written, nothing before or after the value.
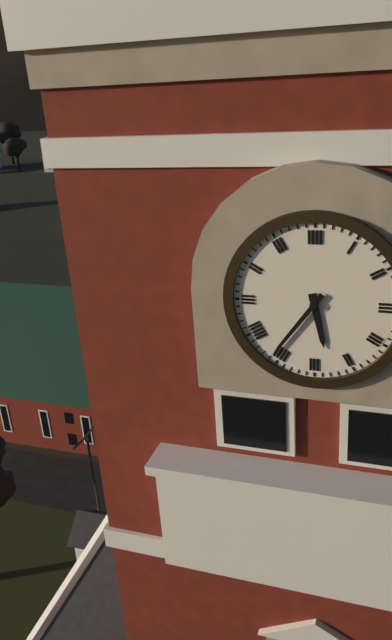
5 h 36 min
